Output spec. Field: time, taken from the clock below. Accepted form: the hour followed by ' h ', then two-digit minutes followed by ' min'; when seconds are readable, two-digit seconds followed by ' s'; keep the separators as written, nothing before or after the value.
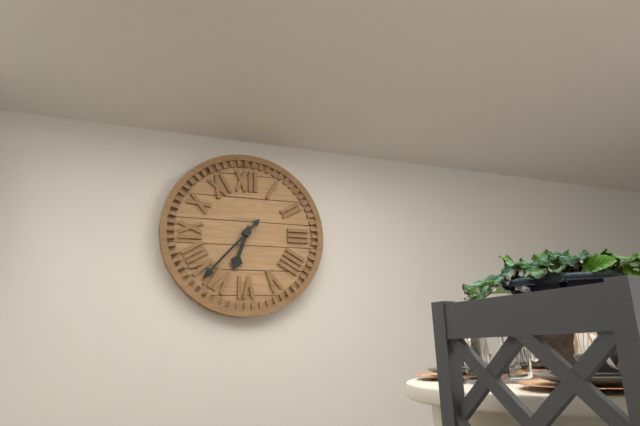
6 h 37 min
